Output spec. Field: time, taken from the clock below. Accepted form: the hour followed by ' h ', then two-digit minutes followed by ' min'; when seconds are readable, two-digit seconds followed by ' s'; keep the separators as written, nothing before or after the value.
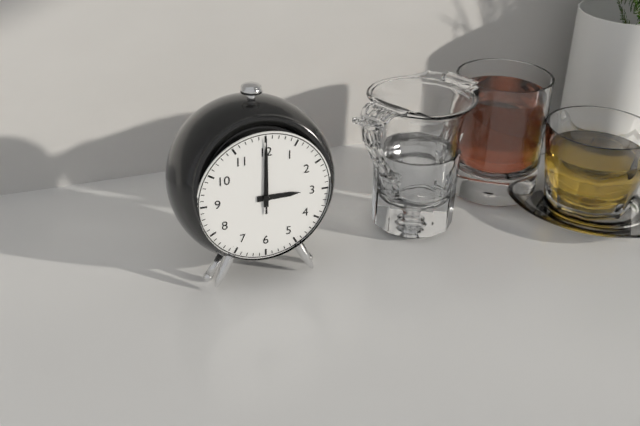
3 h 00 min 00 s
